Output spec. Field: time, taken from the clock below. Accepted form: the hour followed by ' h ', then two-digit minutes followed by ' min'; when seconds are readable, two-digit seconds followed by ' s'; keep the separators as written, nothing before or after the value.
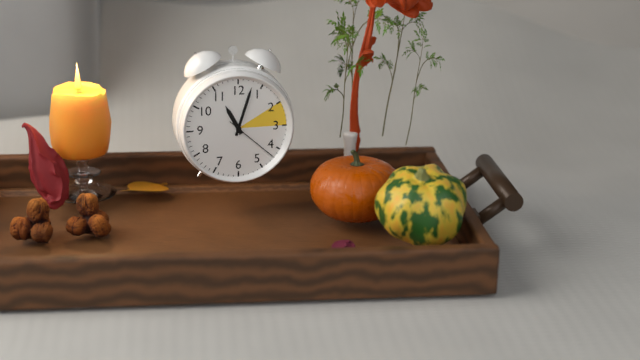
11 h 03 min 22 s
